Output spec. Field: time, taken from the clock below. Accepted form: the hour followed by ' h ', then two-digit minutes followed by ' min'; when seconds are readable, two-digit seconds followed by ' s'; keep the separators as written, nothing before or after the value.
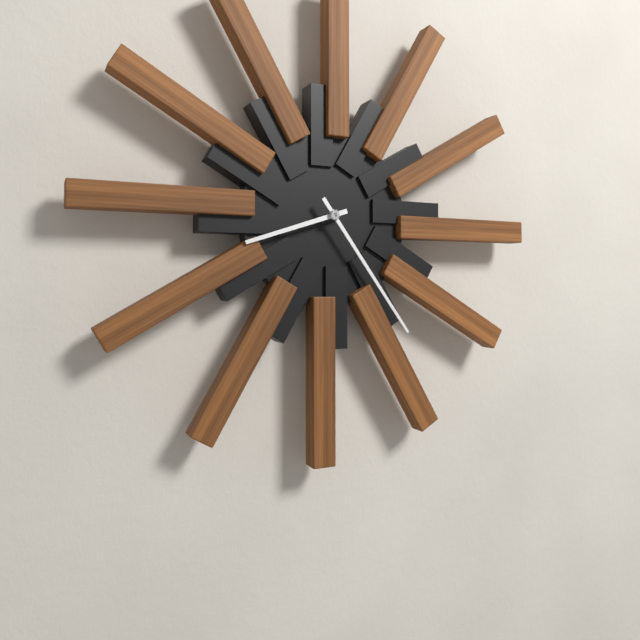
8 h 24 min
